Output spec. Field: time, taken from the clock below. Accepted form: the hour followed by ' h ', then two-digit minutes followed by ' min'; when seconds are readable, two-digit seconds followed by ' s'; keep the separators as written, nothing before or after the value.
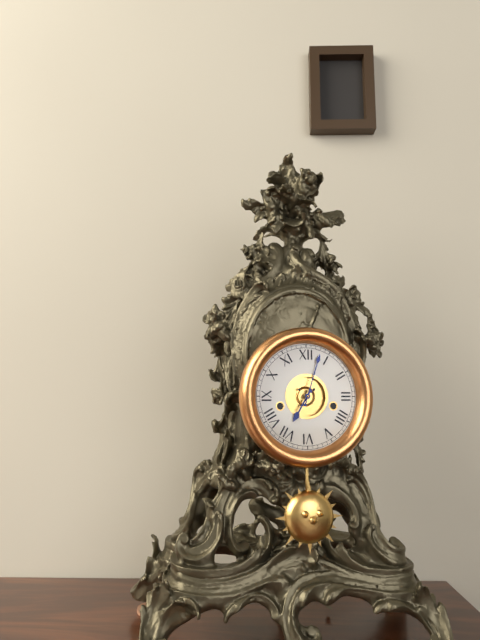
7 h 03 min
